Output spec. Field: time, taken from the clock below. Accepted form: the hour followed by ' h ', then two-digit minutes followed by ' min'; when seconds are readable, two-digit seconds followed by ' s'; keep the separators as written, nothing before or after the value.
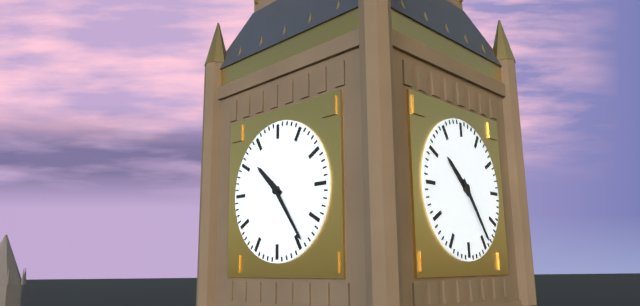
10 h 24 min
